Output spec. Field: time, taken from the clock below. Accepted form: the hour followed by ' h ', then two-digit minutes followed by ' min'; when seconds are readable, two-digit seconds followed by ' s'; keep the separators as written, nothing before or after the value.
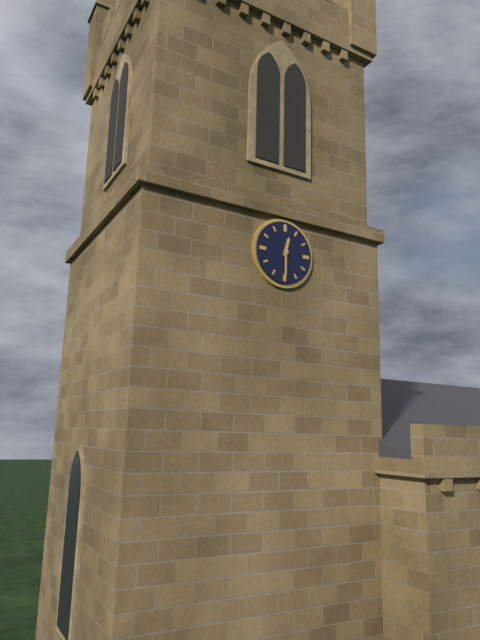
12 h 30 min
